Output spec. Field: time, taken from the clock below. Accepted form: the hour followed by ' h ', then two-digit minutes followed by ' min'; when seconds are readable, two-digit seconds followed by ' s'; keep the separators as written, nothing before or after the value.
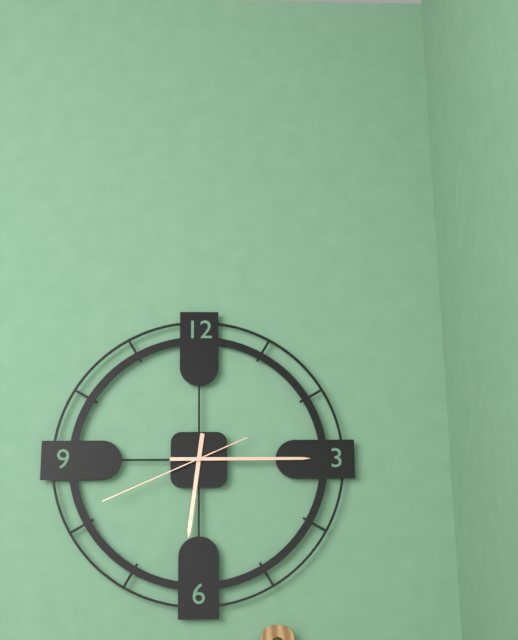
6 h 15 min 41 s
